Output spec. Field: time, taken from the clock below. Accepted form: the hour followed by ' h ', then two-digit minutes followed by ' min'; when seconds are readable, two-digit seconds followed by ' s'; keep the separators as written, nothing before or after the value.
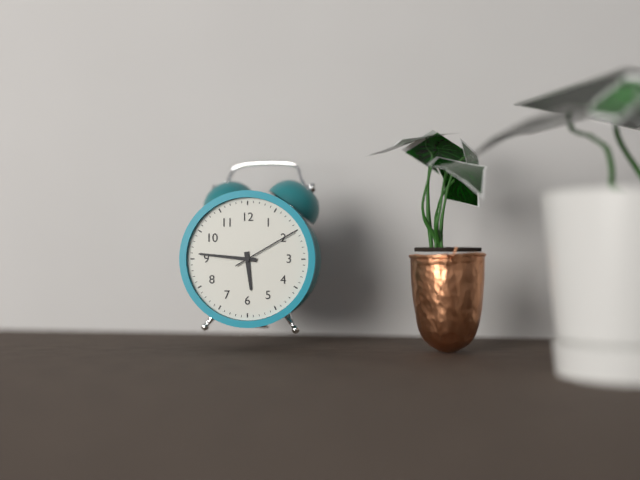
5 h 46 min 10 s
